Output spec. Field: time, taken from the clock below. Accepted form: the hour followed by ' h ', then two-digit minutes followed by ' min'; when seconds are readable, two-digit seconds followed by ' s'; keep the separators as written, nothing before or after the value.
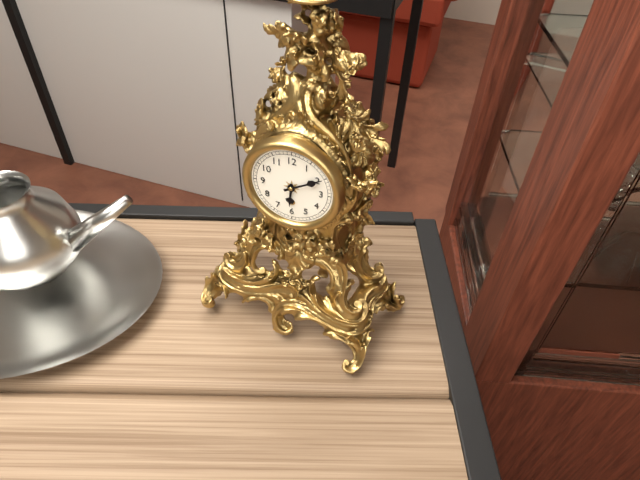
6 h 10 min
